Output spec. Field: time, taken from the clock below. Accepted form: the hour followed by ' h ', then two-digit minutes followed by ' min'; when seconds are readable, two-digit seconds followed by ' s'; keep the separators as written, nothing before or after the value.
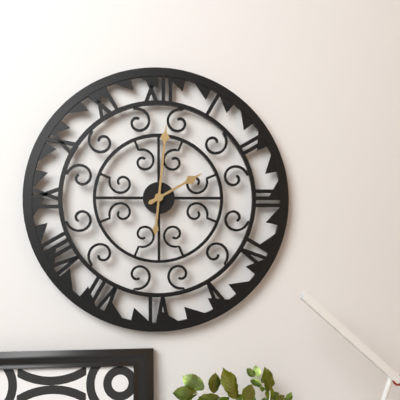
2 h 01 min
